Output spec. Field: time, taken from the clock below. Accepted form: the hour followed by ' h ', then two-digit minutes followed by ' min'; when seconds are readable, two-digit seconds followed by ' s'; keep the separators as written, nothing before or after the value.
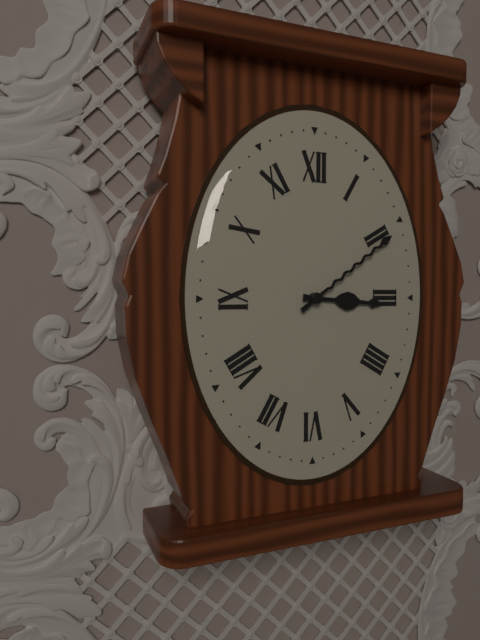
3 h 09 min
